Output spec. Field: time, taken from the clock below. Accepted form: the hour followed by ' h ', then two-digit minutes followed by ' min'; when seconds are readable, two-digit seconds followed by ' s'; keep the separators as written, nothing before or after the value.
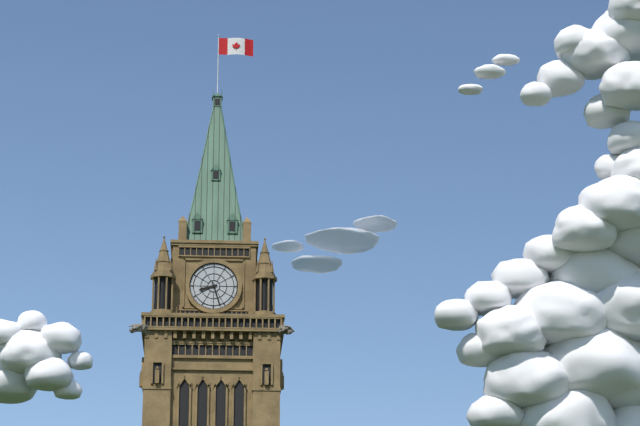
8 h 27 min
